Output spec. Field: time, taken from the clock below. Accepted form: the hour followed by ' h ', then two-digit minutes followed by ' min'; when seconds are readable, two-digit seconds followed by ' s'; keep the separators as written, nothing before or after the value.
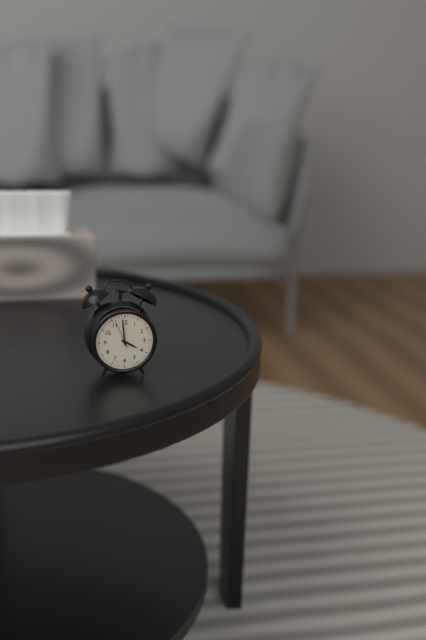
3 h 59 min
